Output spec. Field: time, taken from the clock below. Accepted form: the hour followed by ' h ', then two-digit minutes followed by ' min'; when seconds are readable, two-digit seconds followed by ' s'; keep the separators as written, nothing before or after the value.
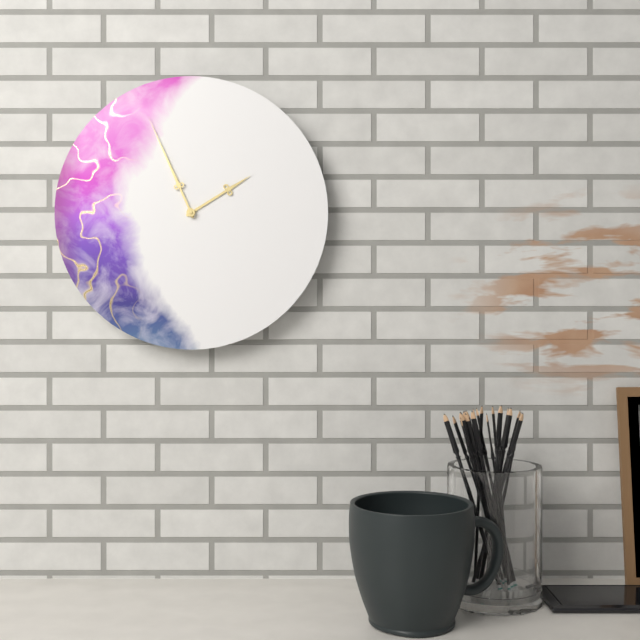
1 h 56 min
